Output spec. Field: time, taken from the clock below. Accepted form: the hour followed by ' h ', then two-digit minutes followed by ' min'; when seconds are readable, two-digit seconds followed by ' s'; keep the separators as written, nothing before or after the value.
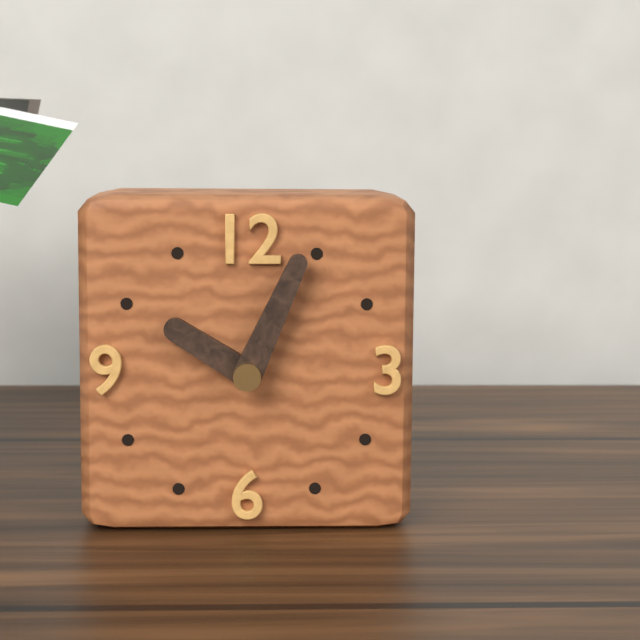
10 h 04 min
